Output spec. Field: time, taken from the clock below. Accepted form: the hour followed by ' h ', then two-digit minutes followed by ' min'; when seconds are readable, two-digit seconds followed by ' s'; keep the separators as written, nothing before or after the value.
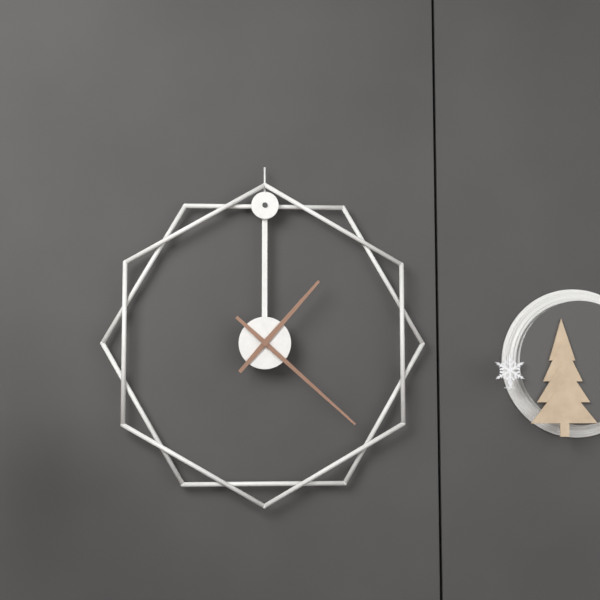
1 h 22 min
